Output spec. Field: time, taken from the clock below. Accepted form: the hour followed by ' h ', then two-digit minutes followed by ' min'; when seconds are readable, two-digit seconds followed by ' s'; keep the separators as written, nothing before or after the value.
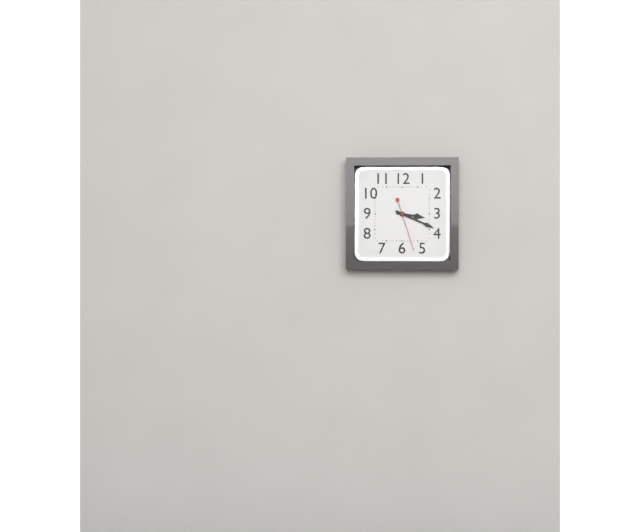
3 h 19 min
